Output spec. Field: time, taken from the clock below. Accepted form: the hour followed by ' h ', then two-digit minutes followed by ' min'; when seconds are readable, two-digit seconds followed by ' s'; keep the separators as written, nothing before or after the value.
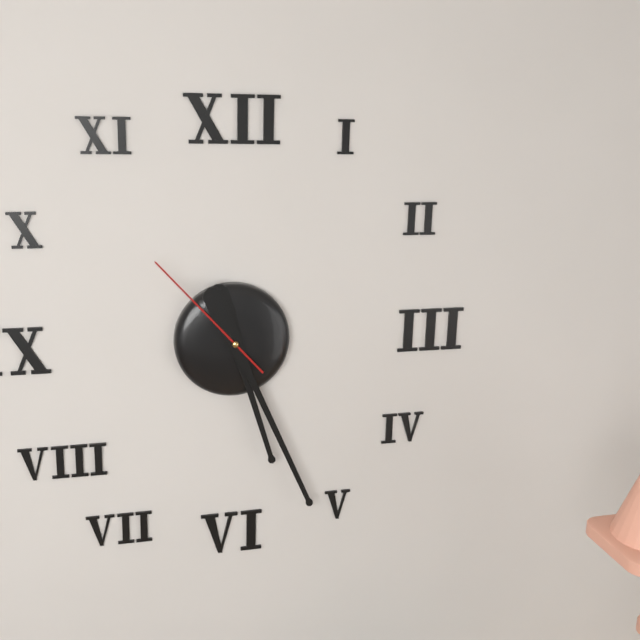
5 h 26 min 53 s
